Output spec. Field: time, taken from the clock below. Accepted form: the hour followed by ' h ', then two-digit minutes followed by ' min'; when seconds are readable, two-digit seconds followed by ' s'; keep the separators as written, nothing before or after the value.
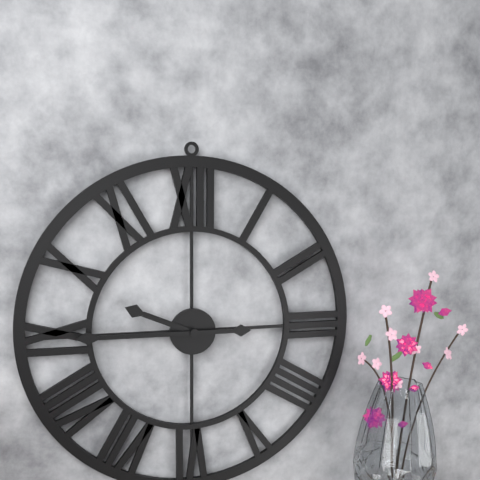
9 h 45 min
